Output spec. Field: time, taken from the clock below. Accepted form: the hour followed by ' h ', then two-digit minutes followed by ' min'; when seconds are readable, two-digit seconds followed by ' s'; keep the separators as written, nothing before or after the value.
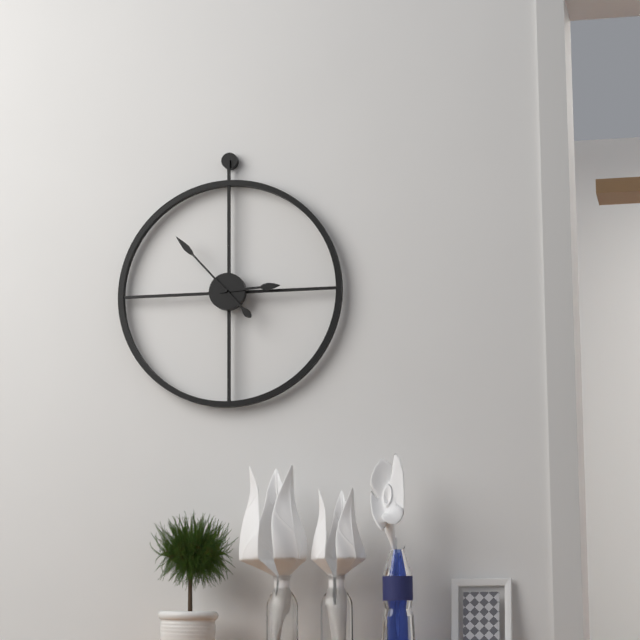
2 h 53 min
